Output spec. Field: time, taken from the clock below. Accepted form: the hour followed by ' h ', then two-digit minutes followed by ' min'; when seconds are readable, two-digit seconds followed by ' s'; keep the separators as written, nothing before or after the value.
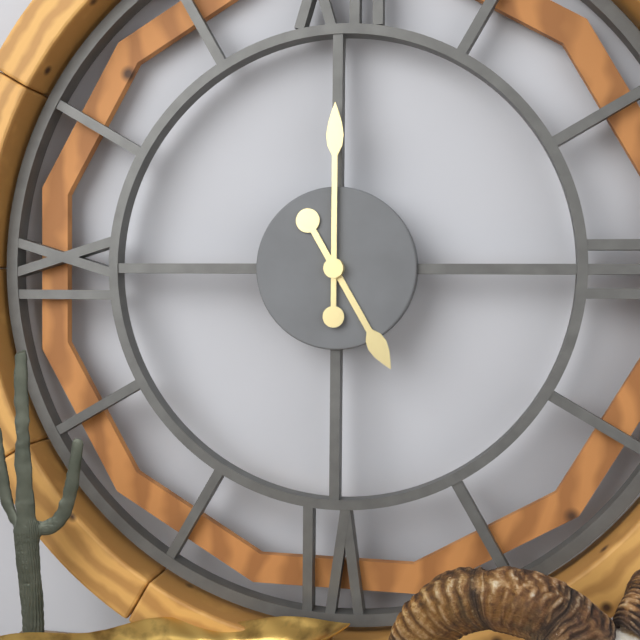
5 h 00 min
